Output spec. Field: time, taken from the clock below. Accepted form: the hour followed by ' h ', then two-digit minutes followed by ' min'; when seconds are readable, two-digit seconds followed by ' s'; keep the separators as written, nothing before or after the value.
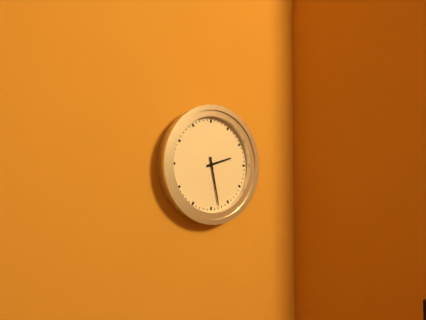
2 h 28 min
